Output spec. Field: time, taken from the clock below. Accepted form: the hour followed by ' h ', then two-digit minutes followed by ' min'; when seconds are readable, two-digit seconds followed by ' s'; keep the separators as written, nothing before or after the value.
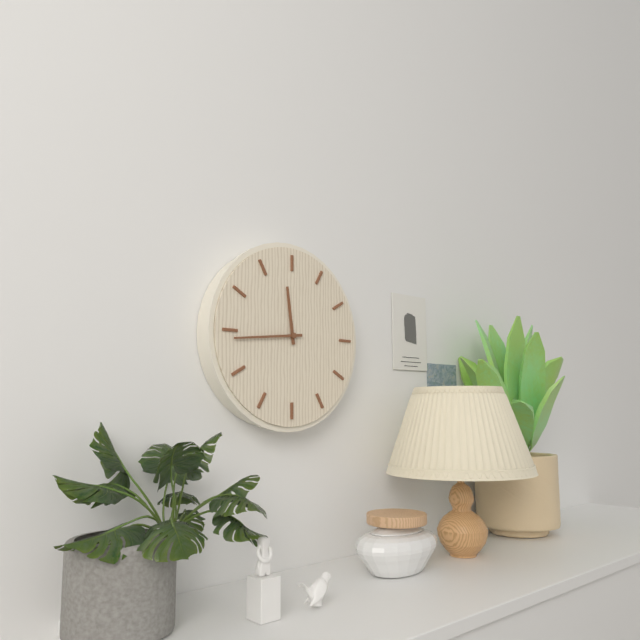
11 h 44 min
